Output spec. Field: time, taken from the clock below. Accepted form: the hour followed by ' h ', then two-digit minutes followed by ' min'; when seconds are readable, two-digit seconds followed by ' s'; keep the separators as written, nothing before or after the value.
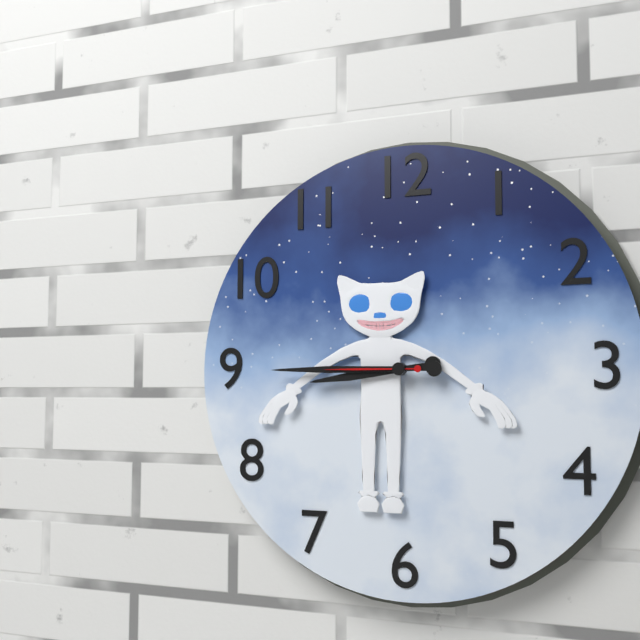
8 h 45 min 45 s
